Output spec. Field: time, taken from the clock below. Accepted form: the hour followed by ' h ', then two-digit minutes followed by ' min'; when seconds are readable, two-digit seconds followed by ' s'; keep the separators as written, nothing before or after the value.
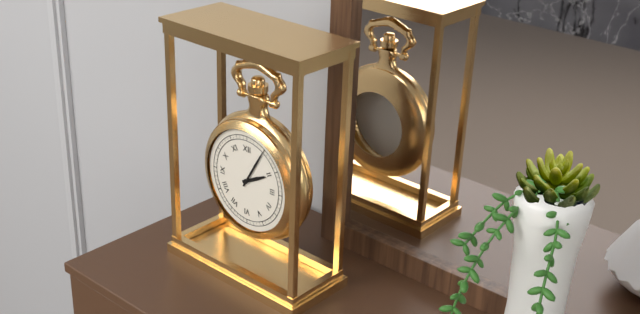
2 h 05 min
